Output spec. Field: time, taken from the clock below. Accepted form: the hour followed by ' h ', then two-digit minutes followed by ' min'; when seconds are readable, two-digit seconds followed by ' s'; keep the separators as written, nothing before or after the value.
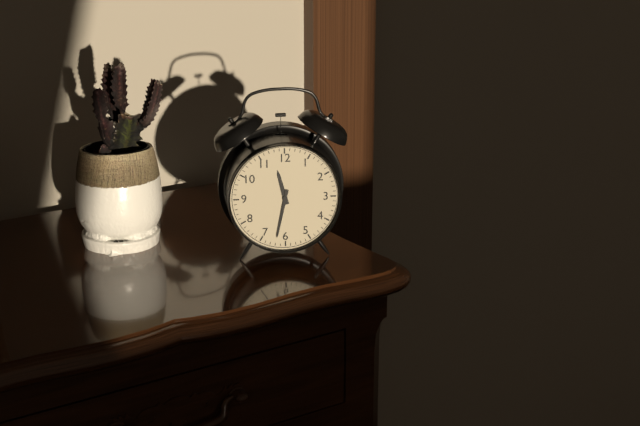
11 h 32 min
